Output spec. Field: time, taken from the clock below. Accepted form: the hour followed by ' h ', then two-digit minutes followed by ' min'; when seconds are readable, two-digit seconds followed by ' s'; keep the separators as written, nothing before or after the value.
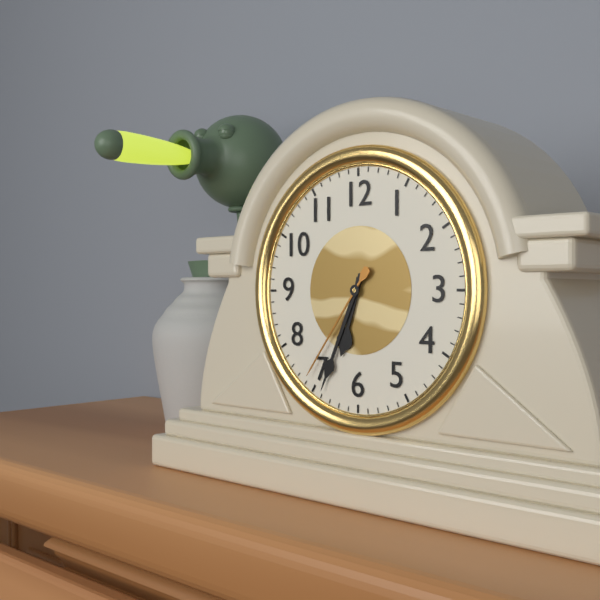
6 h 34 min 36 s
